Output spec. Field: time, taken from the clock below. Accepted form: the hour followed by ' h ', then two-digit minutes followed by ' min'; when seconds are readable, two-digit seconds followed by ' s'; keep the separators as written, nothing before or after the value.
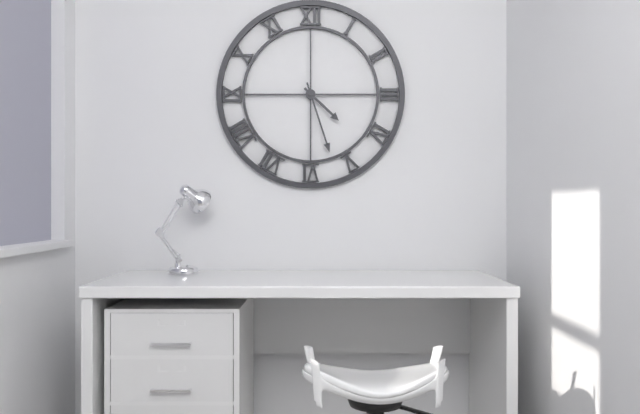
4 h 27 min
